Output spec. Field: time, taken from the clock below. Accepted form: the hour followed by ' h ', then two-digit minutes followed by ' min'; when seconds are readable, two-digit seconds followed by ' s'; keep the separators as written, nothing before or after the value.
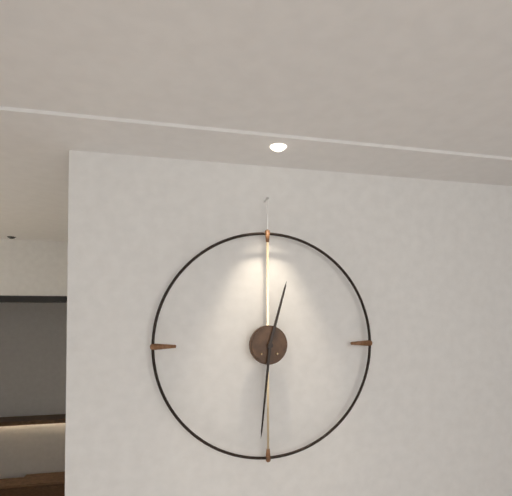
12 h 31 min
